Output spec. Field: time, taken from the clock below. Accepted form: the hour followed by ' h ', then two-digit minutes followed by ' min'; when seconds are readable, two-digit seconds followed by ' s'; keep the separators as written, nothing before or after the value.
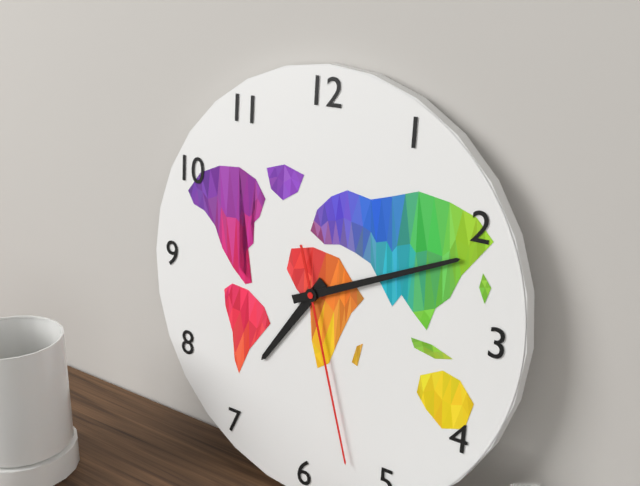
7 h 11 min 27 s
